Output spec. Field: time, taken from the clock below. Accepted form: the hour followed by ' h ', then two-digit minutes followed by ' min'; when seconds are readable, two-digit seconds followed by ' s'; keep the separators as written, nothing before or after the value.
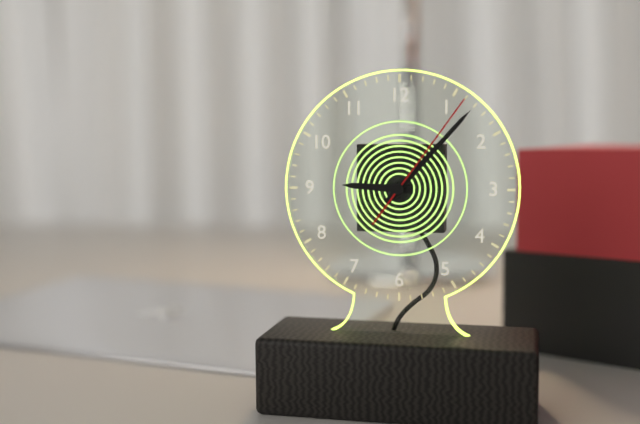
9 h 07 min 06 s
